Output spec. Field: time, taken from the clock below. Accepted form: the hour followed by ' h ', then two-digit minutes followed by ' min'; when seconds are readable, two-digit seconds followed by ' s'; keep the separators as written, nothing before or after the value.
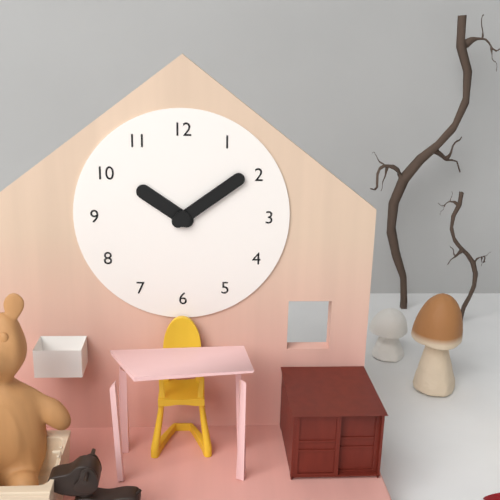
10 h 09 min
